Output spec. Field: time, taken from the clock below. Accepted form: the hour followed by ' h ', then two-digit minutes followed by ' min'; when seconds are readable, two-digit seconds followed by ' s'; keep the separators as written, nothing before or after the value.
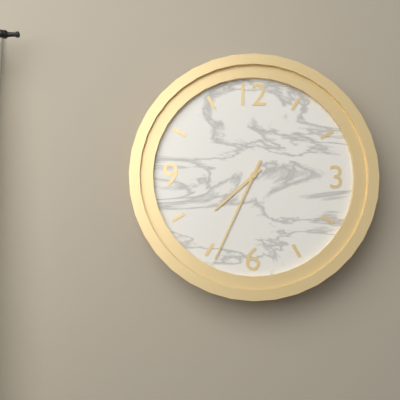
7 h 34 min
